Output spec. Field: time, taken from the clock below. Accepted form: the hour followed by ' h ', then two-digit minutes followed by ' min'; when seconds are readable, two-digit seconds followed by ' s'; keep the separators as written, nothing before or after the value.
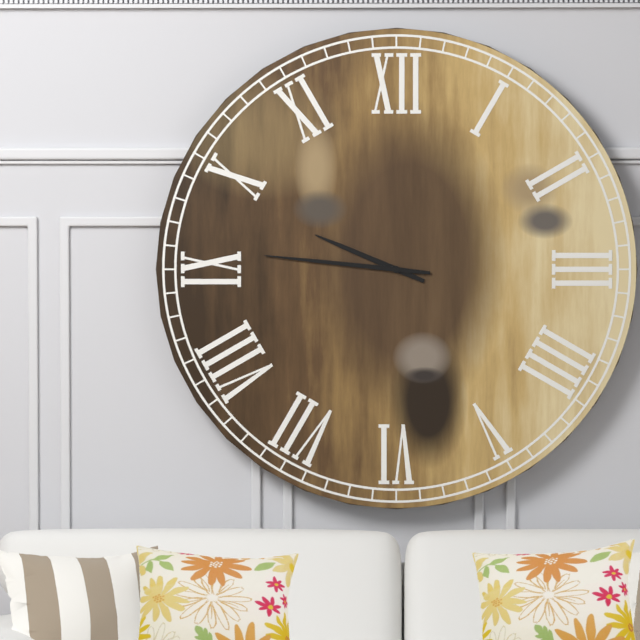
9 h 46 min
